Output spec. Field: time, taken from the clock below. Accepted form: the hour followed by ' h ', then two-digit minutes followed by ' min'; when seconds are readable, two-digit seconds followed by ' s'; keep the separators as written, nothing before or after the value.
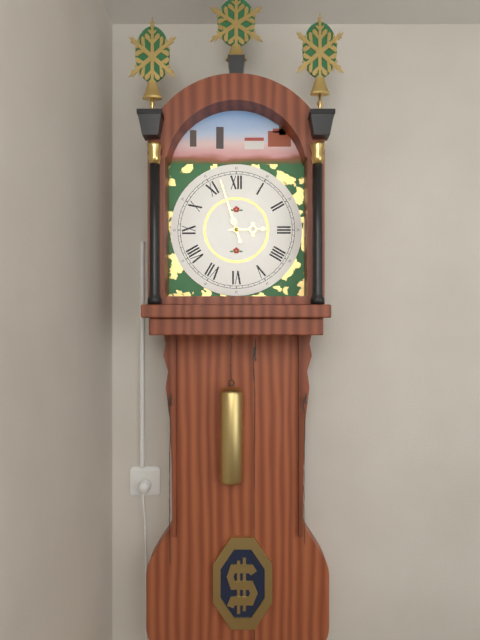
2 h 57 min
